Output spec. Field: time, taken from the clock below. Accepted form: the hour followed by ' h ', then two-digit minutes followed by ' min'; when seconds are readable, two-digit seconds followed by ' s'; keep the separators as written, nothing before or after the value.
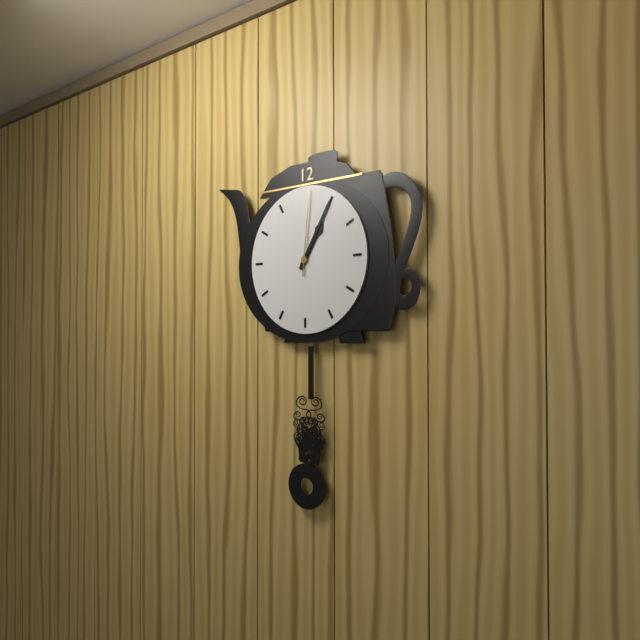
1 h 05 min 01 s
